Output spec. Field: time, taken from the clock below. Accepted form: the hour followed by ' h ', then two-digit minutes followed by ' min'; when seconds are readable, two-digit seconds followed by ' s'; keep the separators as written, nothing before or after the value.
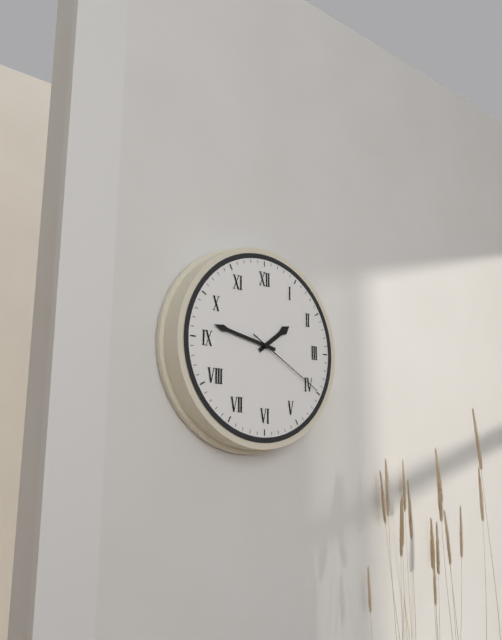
1 h 47 min 20 s
